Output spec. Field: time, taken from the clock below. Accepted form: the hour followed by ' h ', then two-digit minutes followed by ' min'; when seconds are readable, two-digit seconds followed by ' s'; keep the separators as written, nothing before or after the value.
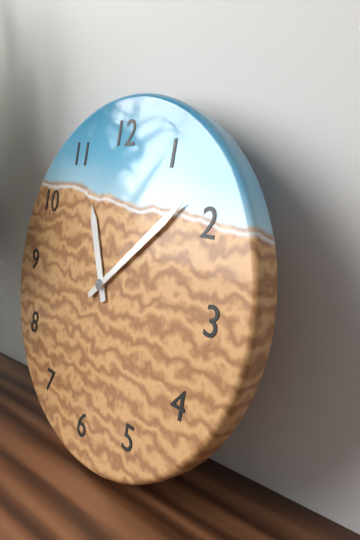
11 h 08 min
